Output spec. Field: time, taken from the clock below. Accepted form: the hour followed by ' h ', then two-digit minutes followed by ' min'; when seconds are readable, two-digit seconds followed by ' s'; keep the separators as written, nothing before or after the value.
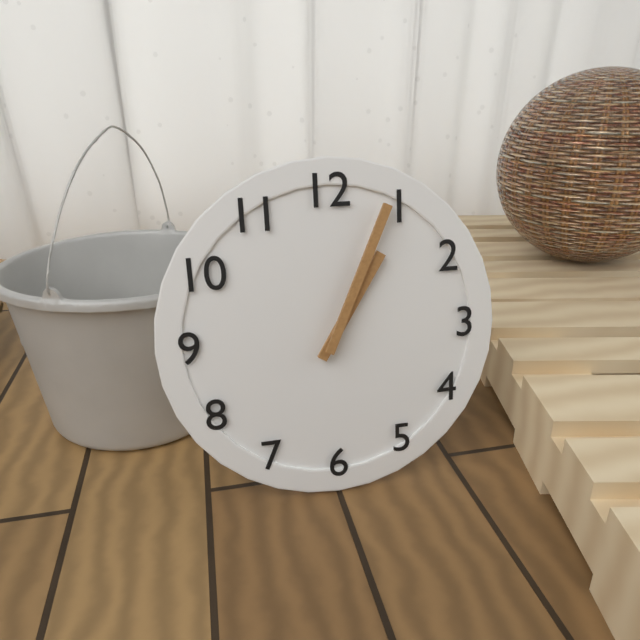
1 h 04 min
